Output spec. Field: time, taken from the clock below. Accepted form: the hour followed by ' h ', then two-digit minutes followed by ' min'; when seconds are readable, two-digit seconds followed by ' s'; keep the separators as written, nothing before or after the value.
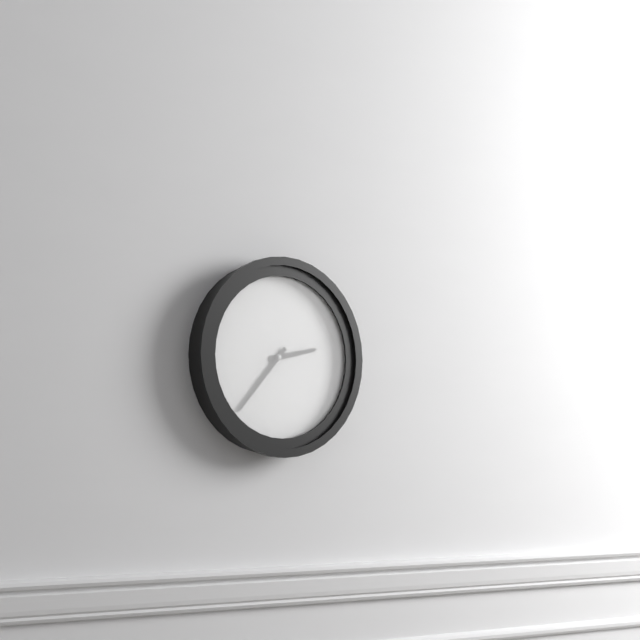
2 h 37 min
